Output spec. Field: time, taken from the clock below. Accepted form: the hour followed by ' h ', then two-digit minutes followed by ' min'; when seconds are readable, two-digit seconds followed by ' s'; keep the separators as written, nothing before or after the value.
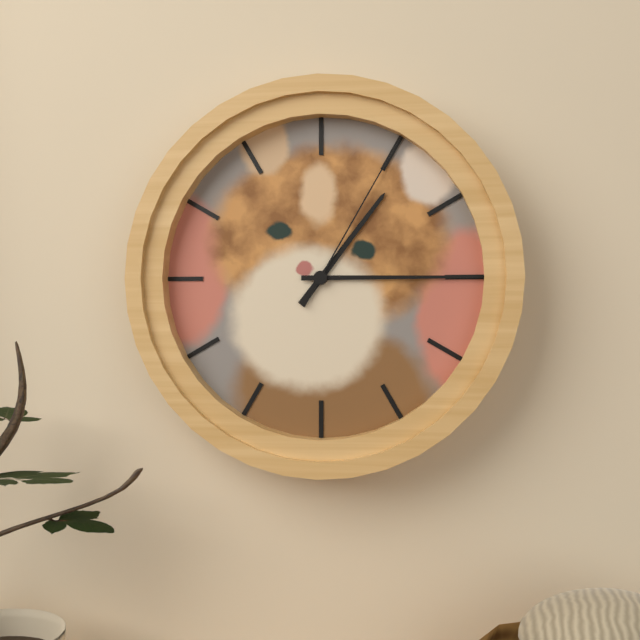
1 h 15 min 05 s
